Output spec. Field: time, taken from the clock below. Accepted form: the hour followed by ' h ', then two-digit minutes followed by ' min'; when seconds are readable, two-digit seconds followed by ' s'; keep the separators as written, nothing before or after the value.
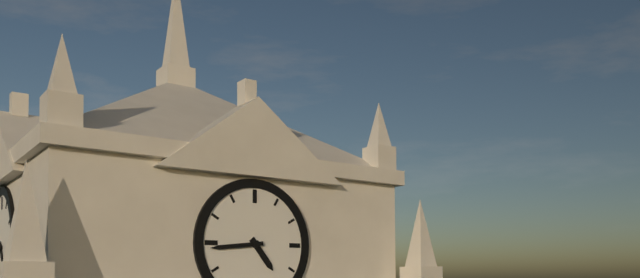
4 h 44 min
